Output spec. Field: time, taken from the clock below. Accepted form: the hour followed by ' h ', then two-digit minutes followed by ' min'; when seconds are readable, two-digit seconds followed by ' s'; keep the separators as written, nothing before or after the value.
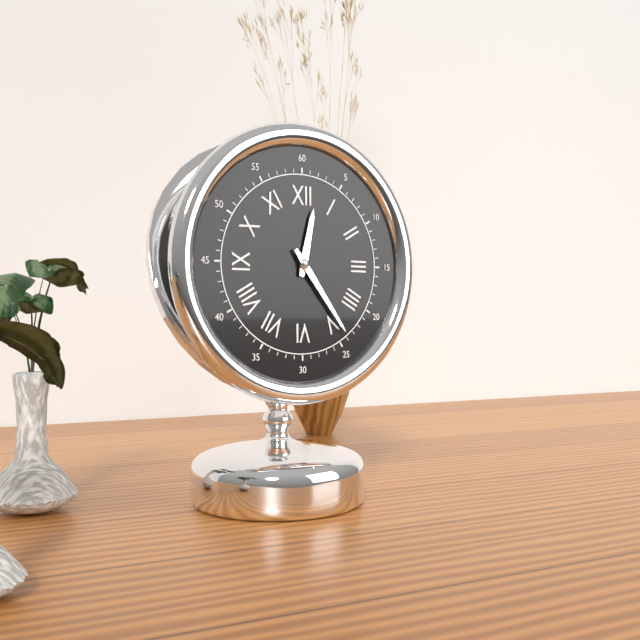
12 h 24 min
